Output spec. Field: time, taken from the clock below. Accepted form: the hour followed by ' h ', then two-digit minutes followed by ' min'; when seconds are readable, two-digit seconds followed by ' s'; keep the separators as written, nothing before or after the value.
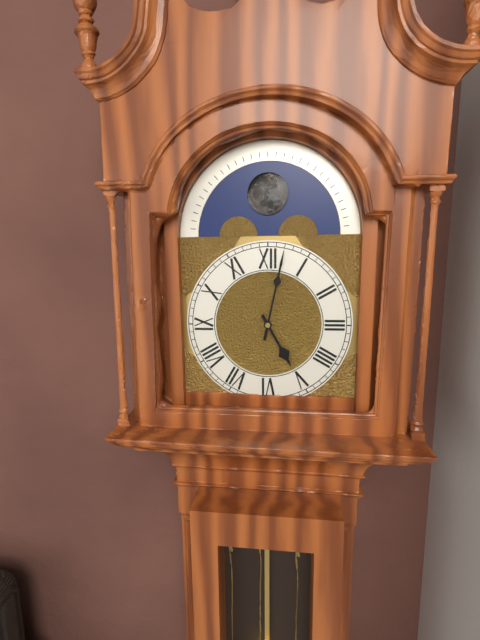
5 h 02 min
